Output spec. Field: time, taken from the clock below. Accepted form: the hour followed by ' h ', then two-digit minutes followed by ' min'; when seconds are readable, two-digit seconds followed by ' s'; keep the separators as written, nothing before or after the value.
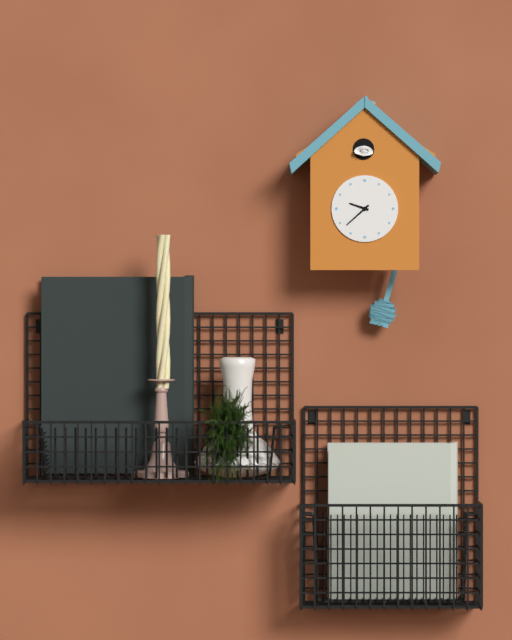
9 h 38 min
